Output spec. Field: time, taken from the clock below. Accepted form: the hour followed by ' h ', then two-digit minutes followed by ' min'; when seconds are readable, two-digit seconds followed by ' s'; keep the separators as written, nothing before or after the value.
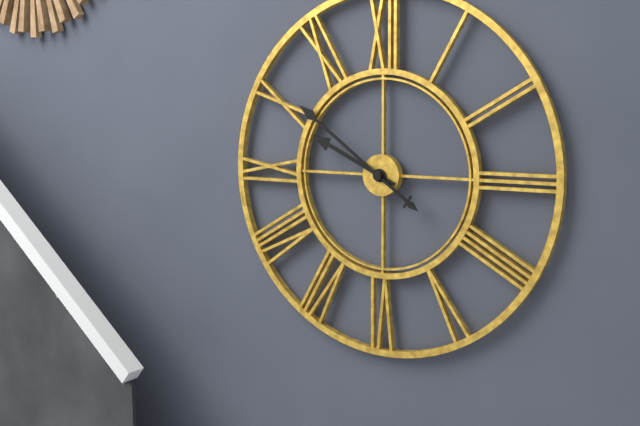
9 h 51 min
